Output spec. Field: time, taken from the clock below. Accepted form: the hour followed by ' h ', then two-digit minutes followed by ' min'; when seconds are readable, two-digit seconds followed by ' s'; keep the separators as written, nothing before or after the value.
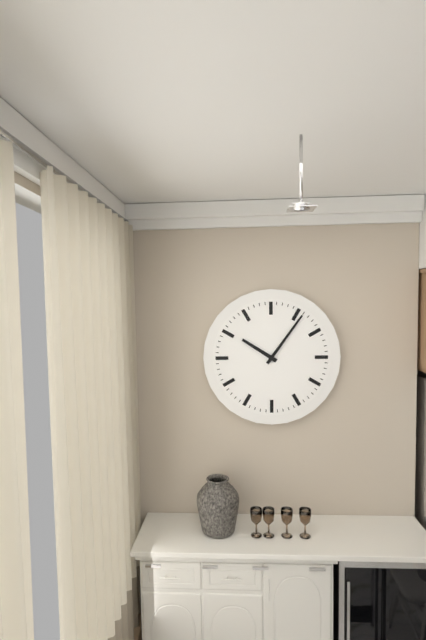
10 h 06 min
